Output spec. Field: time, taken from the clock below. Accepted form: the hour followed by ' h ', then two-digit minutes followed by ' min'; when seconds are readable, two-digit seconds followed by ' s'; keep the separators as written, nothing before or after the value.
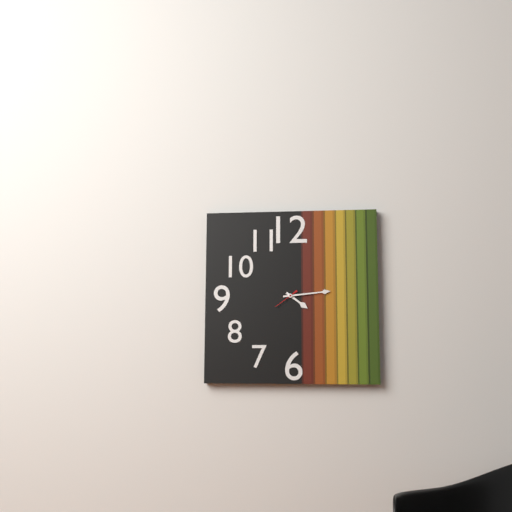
4 h 14 min
